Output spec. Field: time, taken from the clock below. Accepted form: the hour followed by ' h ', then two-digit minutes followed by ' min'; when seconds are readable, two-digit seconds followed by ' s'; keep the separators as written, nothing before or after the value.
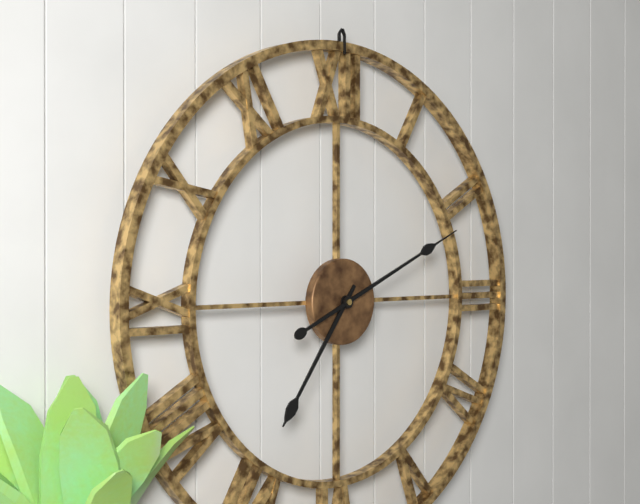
7 h 11 min
